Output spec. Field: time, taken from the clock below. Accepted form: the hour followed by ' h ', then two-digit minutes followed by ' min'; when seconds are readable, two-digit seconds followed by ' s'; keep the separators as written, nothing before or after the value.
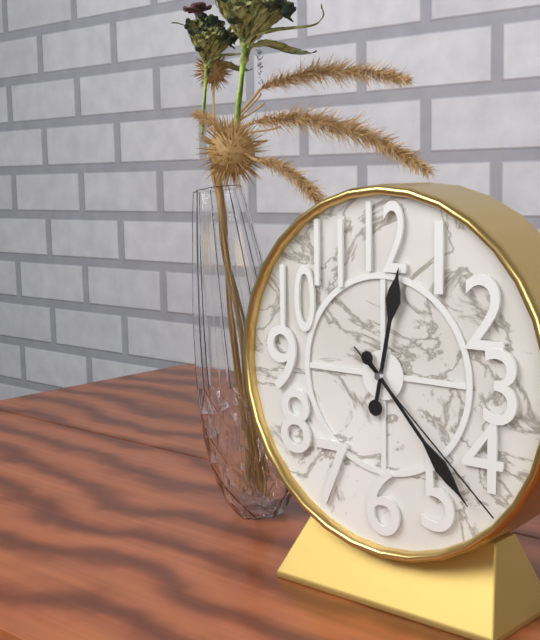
12 h 23 min 22 s
